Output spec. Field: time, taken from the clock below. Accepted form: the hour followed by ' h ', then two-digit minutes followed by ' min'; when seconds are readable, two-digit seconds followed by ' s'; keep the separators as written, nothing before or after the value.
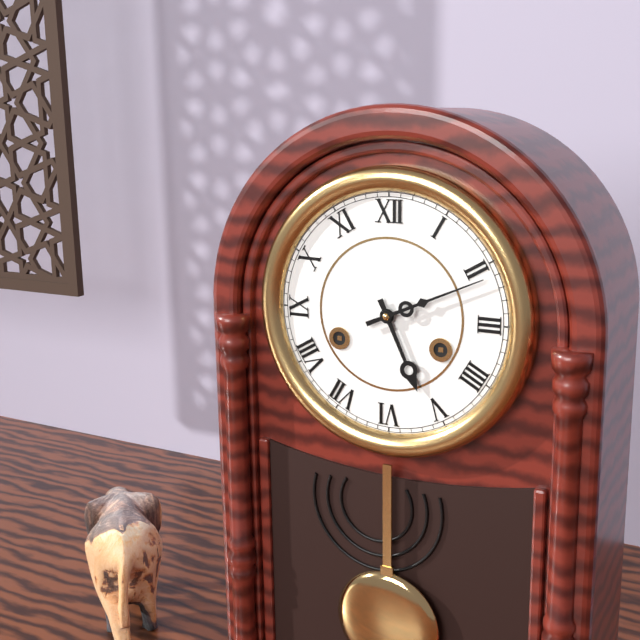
5 h 11 min
